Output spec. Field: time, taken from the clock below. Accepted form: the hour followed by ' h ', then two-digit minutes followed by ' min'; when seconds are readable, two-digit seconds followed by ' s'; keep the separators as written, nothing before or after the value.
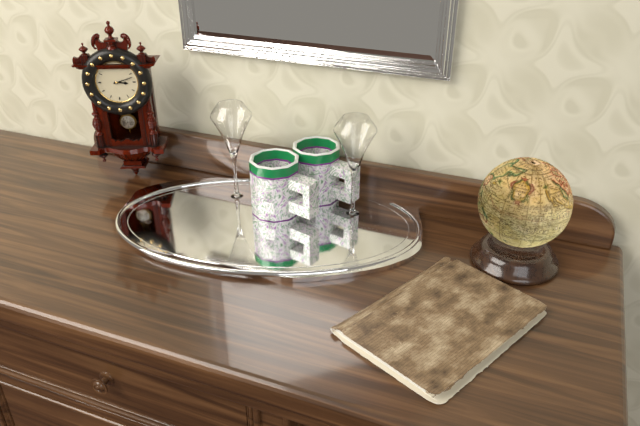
3 h 12 min
